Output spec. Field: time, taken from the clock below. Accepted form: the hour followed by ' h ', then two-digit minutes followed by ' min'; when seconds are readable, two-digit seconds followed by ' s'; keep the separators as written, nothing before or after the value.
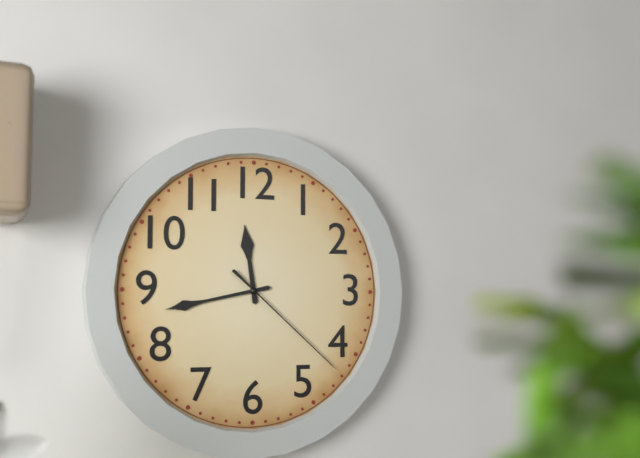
11 h 43 min 22 s
